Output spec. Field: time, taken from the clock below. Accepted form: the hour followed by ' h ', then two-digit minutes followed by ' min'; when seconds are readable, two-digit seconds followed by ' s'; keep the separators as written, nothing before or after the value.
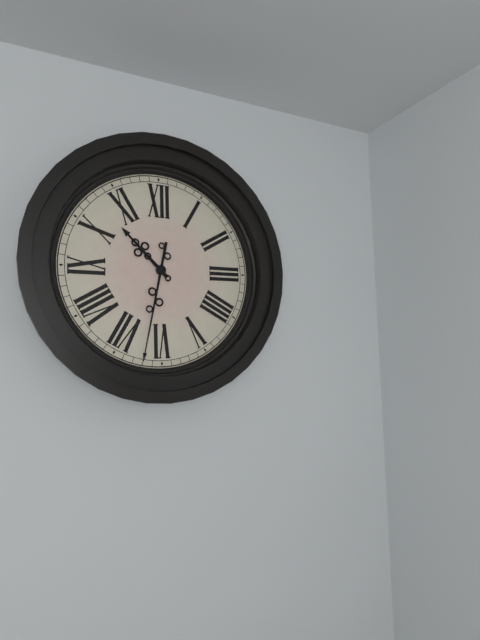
10 h 32 min
